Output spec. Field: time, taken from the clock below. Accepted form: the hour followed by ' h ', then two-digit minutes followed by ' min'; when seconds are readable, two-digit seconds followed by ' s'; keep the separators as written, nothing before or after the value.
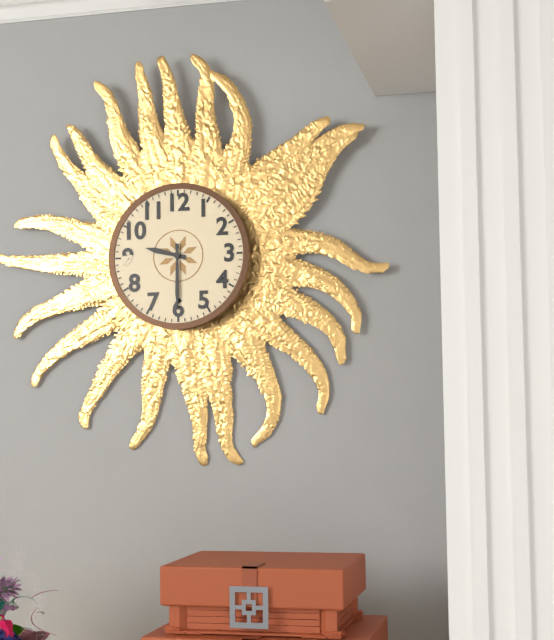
9 h 30 min
